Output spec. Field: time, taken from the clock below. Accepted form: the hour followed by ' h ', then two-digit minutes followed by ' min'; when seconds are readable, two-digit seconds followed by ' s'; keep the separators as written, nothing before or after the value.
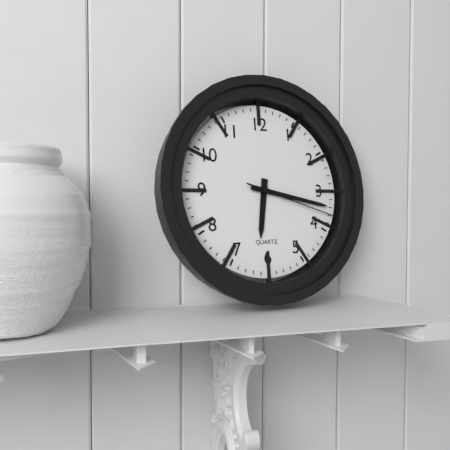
6 h 17 min 18 s
